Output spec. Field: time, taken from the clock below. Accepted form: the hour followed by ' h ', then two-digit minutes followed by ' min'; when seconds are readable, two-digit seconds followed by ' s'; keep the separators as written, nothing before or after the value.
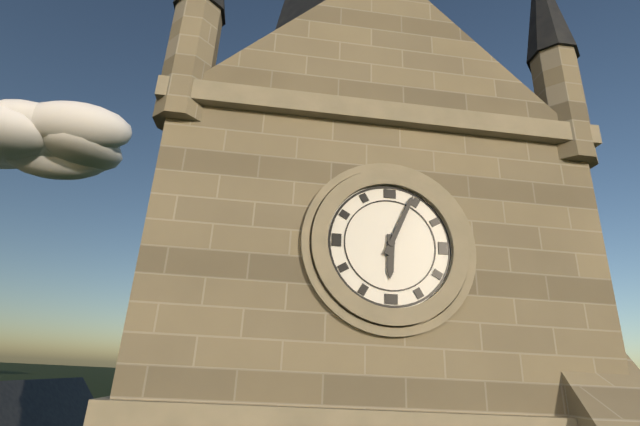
6 h 04 min
